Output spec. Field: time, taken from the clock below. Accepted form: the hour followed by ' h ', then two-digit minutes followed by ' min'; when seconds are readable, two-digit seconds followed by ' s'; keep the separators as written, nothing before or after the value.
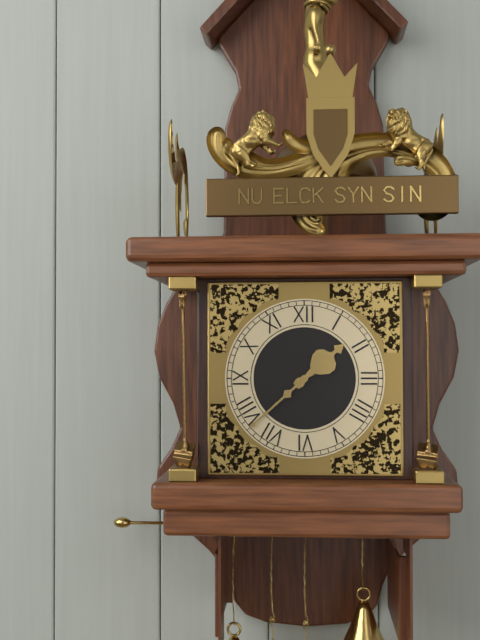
1 h 38 min
